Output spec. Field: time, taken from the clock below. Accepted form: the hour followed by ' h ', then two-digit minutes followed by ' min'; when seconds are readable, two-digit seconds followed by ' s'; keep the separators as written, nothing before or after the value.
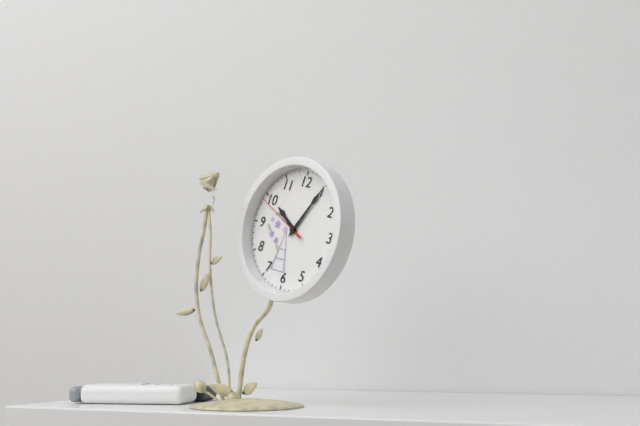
10 h 05 min 49 s
